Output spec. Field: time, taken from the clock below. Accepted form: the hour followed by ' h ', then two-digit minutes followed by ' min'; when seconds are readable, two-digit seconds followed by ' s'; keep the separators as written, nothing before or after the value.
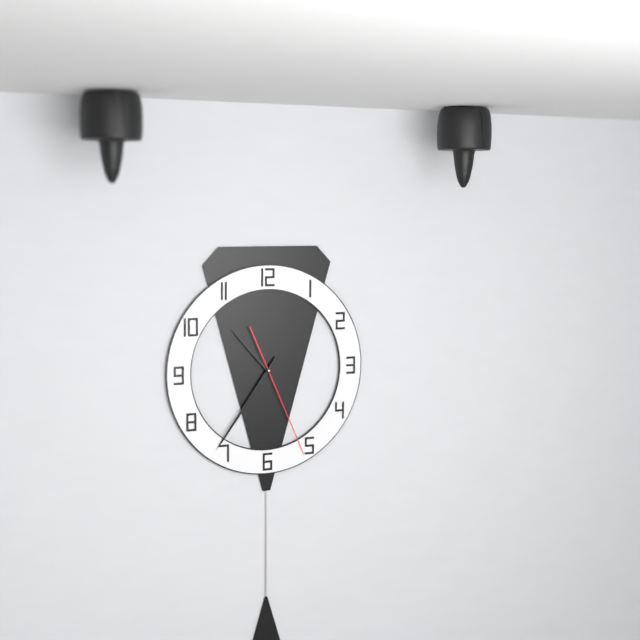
10 h 36 min 26 s
